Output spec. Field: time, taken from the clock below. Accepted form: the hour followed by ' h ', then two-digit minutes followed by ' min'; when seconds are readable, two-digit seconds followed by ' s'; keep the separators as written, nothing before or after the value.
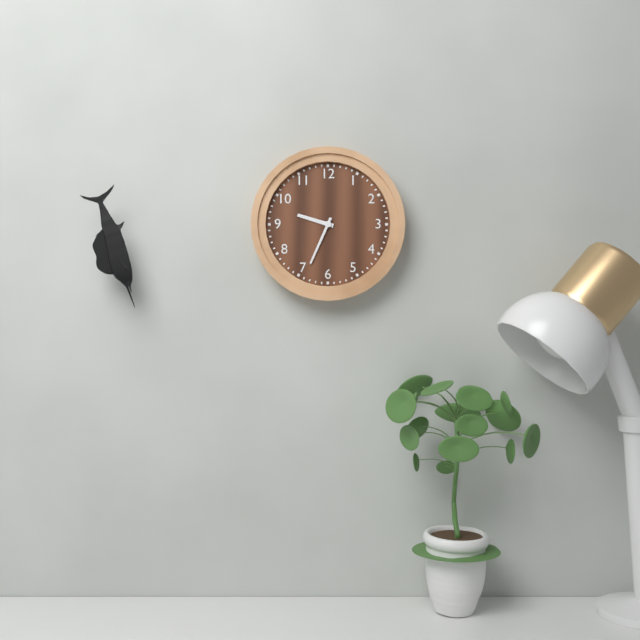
9 h 34 min
